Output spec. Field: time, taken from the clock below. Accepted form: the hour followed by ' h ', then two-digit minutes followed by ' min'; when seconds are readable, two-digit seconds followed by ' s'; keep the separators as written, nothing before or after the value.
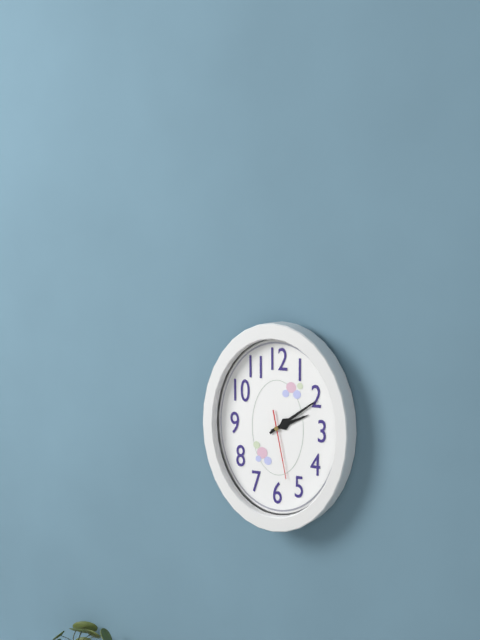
2 h 09 min 28 s
